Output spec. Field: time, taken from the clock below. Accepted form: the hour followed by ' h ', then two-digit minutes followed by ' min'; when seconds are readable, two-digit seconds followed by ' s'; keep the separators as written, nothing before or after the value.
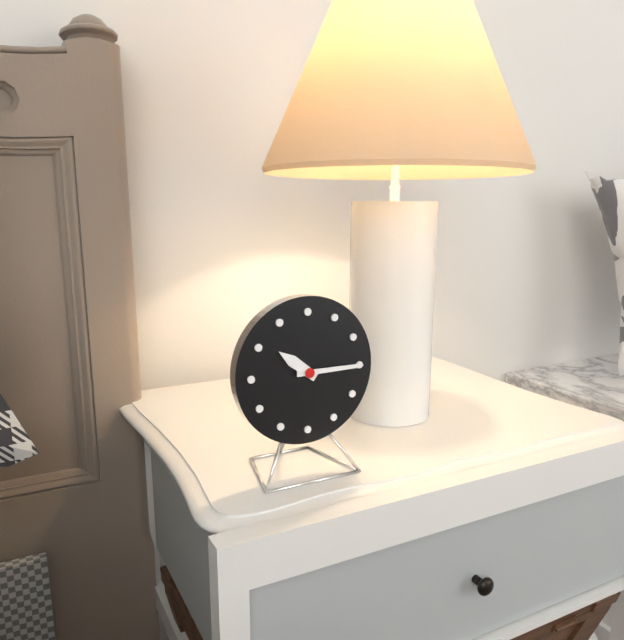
10 h 15 min
